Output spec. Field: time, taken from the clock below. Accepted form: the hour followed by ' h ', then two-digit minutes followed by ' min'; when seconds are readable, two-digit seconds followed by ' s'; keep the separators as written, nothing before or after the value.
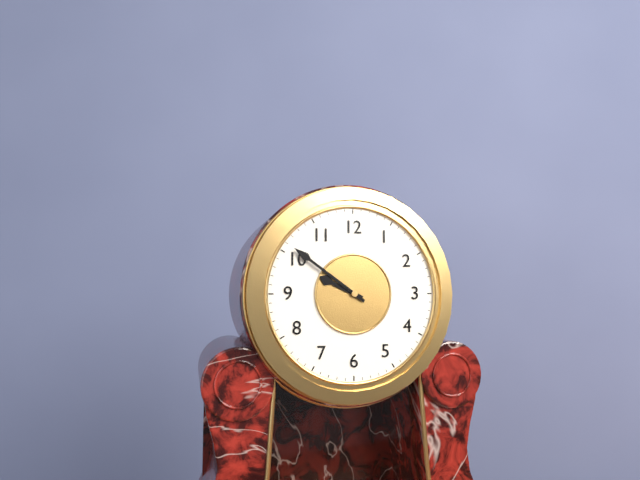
9 h 51 min
